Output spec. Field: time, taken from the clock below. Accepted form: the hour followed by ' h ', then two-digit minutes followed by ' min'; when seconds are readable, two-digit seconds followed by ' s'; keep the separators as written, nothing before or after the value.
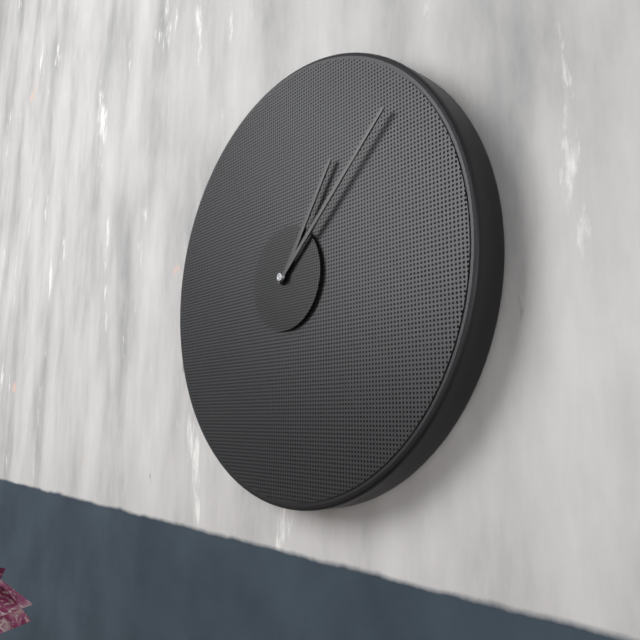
1 h 08 min
